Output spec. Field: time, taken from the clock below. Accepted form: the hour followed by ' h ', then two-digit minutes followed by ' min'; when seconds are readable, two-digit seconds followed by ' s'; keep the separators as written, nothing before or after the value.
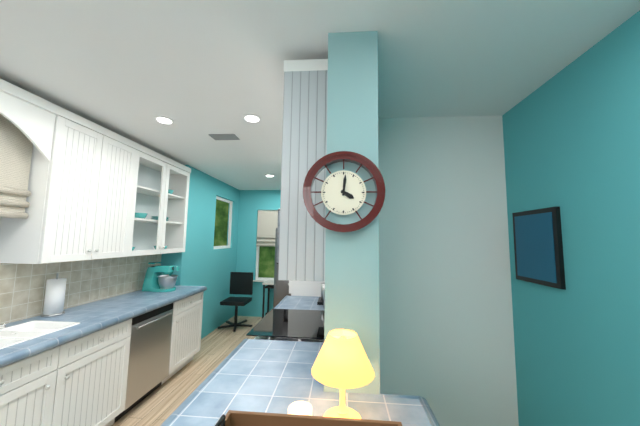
4 h 01 min
